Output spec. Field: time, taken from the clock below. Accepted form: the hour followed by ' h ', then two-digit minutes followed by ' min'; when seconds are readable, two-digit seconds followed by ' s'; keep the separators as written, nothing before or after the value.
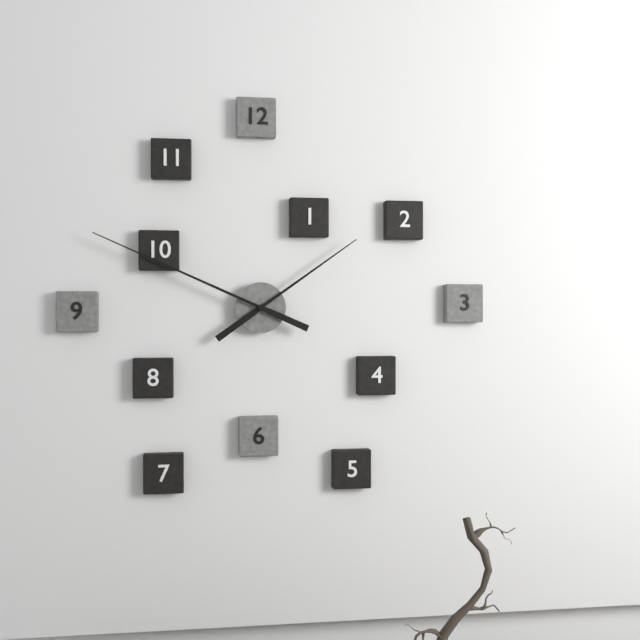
1 h 49 min
